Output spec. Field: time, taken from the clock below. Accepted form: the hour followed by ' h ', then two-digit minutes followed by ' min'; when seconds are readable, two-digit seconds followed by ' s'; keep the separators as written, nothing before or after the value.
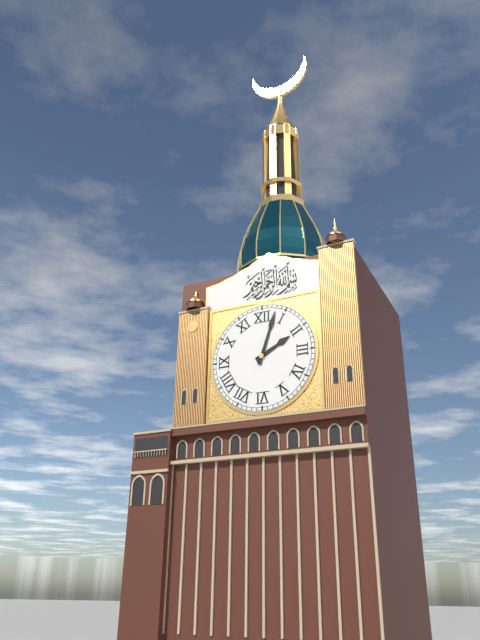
2 h 03 min
